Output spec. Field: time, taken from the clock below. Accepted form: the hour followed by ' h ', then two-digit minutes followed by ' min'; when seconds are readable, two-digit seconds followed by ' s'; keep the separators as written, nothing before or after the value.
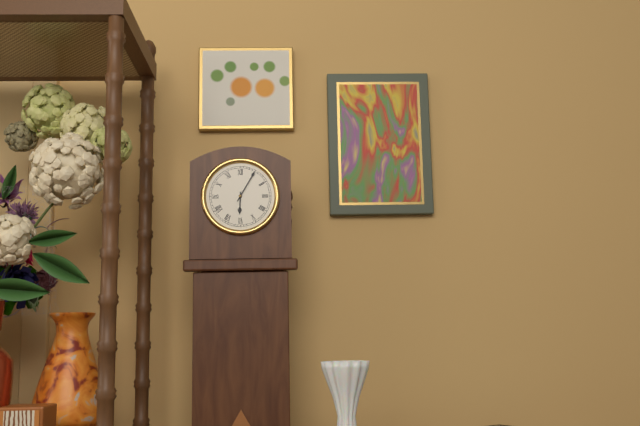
6 h 05 min
